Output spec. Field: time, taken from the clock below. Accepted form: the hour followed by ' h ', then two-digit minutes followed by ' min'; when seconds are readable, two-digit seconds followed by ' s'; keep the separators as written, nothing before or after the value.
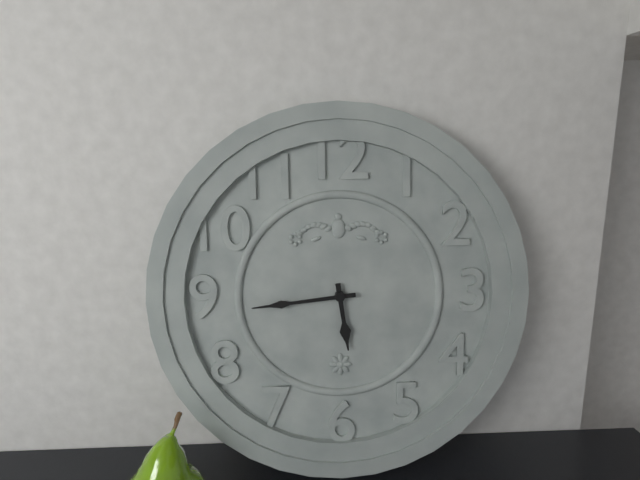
5 h 44 min
